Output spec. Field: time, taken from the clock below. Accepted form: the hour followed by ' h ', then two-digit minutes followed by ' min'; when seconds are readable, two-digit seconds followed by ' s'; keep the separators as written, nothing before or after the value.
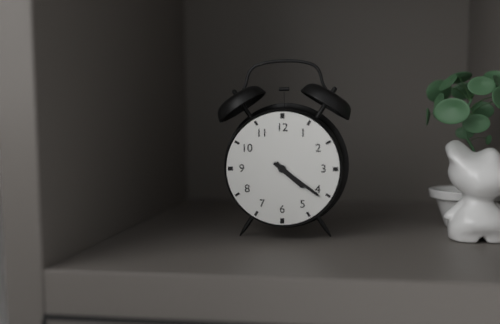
4 h 21 min
